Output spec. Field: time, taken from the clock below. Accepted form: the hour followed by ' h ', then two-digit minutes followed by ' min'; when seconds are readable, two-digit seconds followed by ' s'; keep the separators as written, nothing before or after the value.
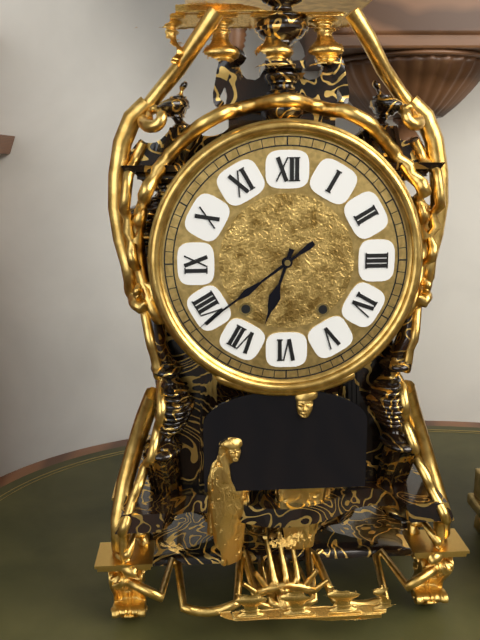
6 h 39 min
